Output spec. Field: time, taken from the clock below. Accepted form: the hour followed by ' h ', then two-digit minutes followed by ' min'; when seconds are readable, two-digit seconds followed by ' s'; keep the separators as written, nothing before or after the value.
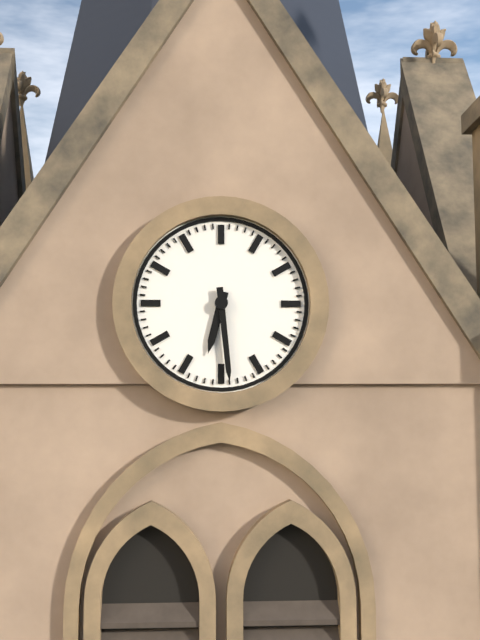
6 h 29 min
